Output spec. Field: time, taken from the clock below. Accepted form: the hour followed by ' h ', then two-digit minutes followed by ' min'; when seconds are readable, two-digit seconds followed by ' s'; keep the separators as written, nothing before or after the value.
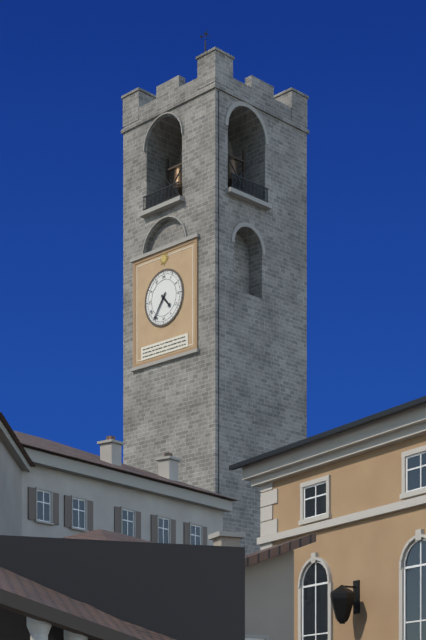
4 h 36 min
